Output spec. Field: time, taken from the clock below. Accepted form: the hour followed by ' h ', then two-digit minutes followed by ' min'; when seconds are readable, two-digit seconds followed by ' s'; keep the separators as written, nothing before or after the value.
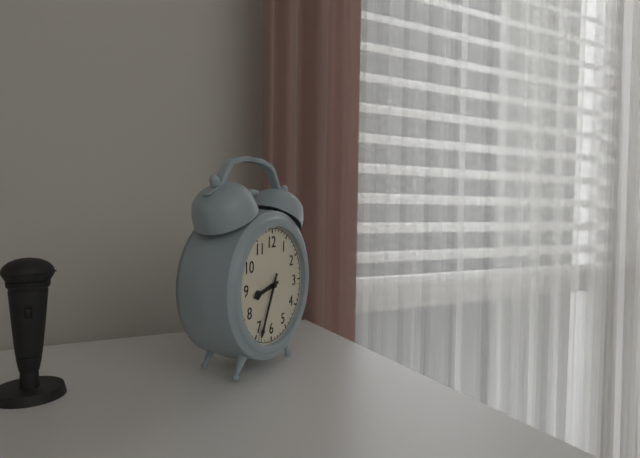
8 h 34 min
